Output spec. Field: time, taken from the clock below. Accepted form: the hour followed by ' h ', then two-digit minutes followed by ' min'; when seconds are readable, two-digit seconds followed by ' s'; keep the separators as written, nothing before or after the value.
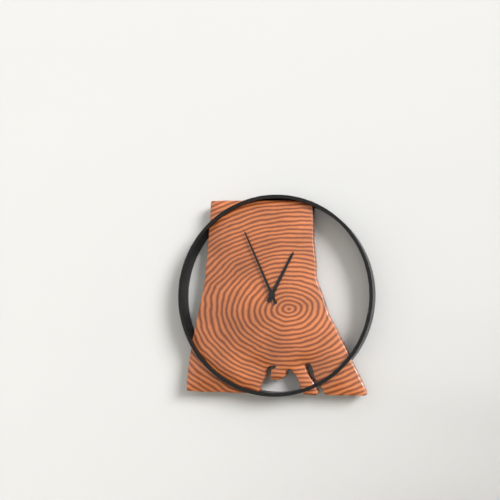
12 h 56 min
